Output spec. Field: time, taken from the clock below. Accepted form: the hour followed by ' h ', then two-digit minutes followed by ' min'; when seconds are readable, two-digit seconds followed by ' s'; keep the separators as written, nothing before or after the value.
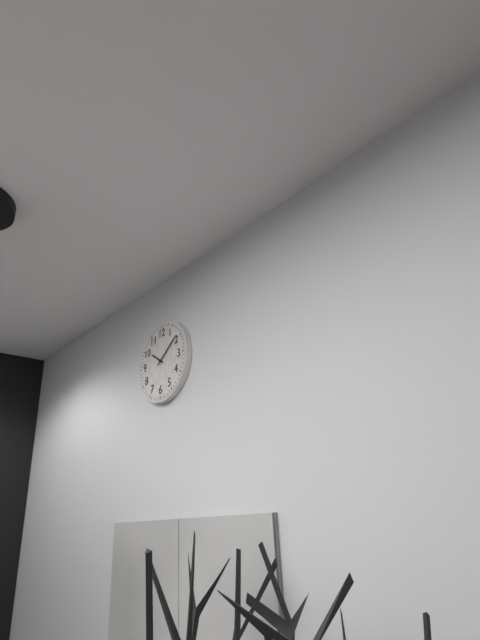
10 h 09 min
